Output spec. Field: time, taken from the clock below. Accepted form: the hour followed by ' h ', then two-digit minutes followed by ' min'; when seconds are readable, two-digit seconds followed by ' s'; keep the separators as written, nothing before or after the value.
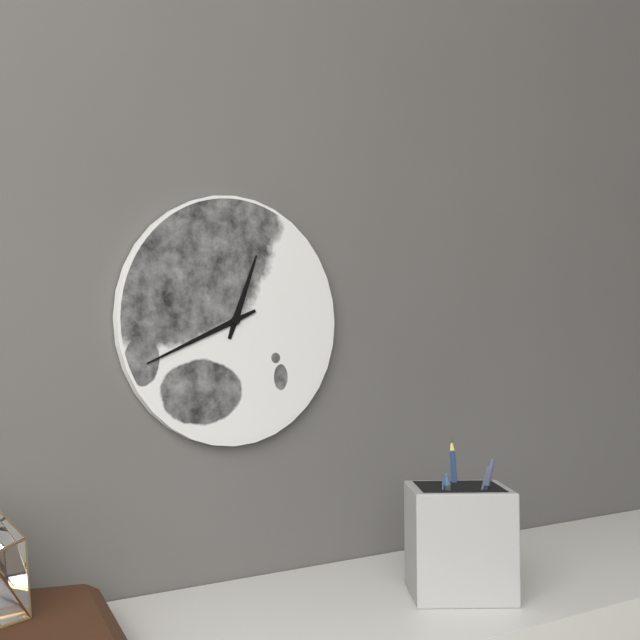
12 h 41 min
